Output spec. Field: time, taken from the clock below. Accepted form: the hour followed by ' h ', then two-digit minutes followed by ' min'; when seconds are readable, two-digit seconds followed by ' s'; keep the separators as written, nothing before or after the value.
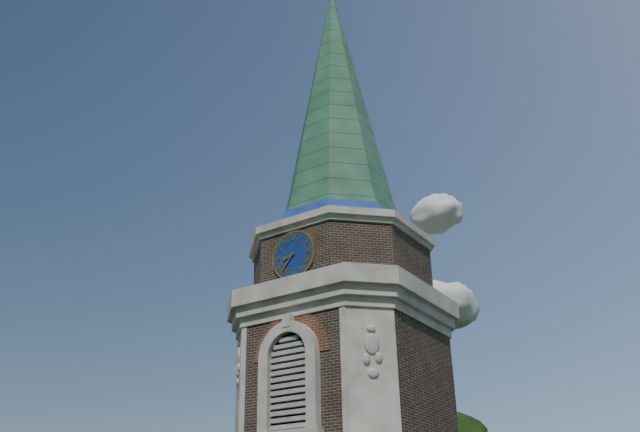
8 h 37 min
